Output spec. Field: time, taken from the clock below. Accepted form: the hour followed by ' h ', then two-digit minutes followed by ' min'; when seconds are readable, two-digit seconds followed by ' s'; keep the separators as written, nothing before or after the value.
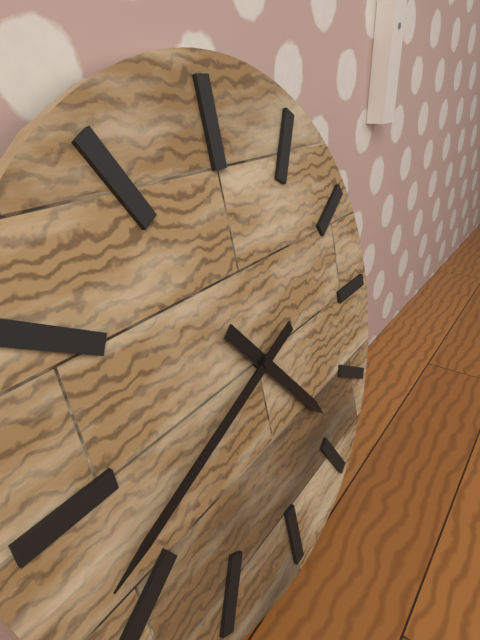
4 h 42 min
